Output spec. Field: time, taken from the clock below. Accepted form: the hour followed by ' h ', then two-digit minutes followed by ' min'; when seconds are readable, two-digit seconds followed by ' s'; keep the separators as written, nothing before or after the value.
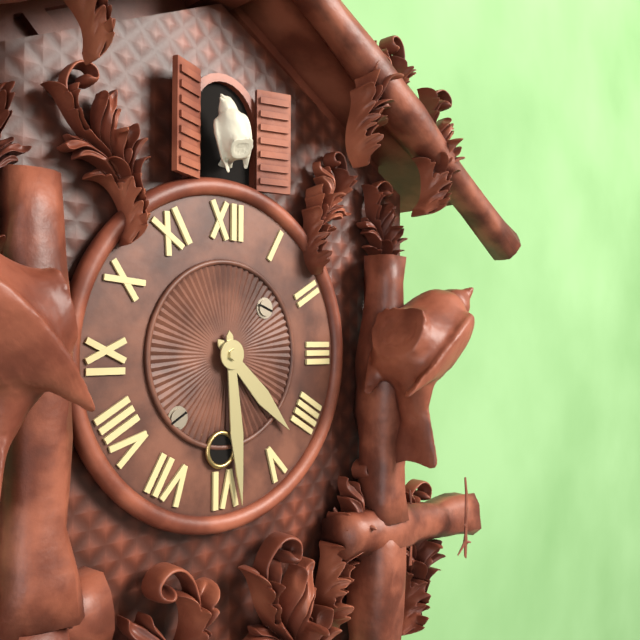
4 h 29 min
